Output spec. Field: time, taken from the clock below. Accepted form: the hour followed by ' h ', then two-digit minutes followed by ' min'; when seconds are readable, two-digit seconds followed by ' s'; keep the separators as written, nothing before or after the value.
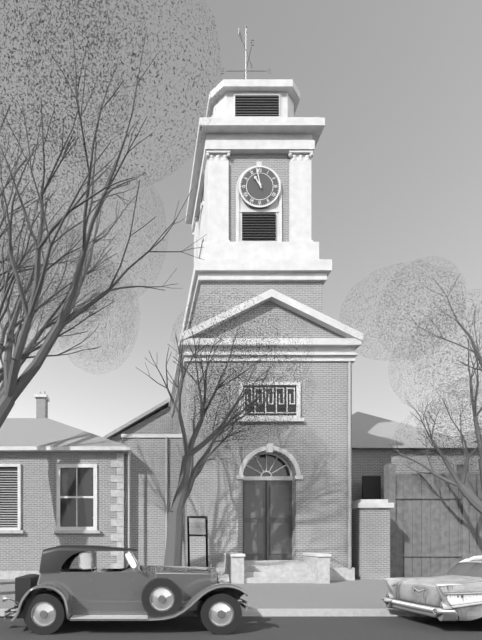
10 h 58 min
